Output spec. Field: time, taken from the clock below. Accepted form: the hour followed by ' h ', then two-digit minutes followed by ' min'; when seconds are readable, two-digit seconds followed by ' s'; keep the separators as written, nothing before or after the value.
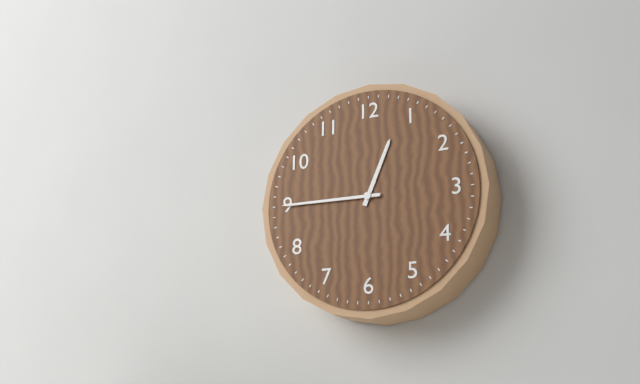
12 h 45 min
